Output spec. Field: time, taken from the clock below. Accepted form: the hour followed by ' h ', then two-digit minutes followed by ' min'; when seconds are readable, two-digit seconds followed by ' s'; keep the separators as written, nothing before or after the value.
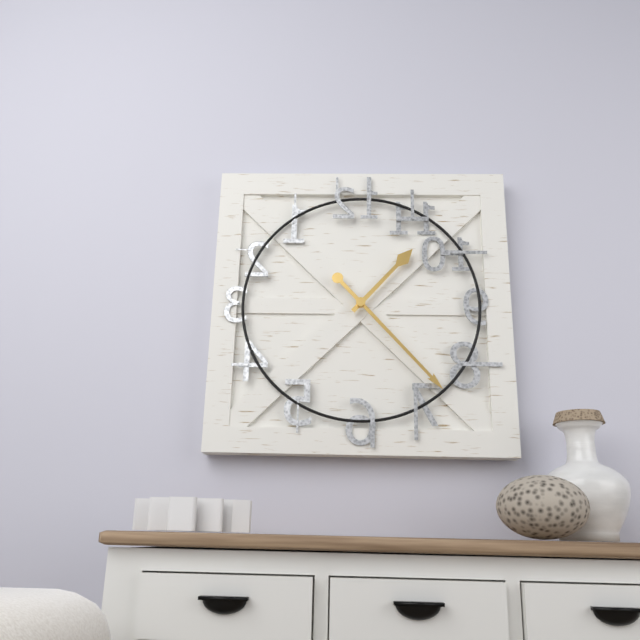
1 h 23 min
